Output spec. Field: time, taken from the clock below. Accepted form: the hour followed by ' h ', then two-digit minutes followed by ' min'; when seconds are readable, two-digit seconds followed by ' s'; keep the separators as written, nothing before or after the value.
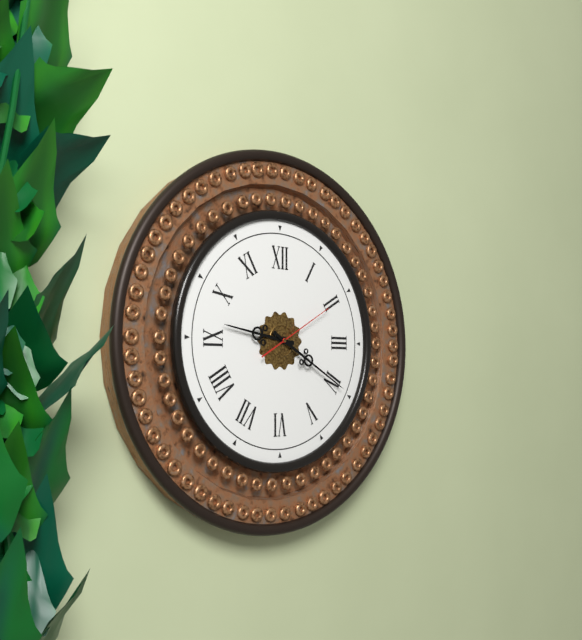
9 h 20 min 10 s
